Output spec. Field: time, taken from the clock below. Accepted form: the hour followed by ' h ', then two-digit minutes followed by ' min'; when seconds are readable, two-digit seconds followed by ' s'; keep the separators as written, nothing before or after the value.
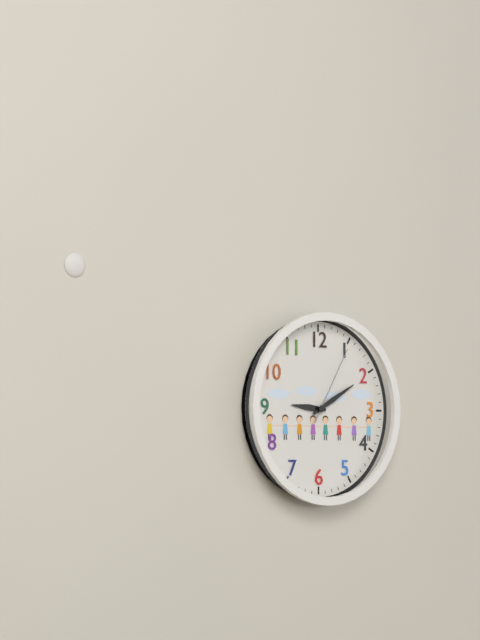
9 h 10 min 05 s
